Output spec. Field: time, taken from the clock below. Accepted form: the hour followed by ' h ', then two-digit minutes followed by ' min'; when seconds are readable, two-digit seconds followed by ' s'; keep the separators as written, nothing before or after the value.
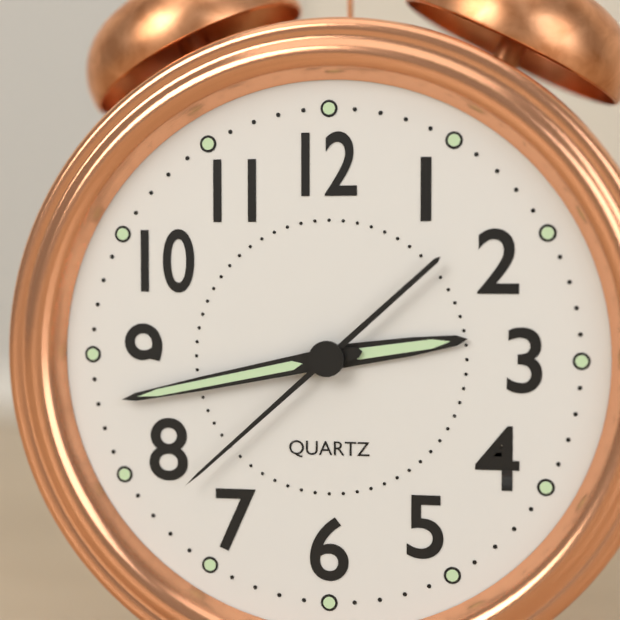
2 h 43 min 38 s
